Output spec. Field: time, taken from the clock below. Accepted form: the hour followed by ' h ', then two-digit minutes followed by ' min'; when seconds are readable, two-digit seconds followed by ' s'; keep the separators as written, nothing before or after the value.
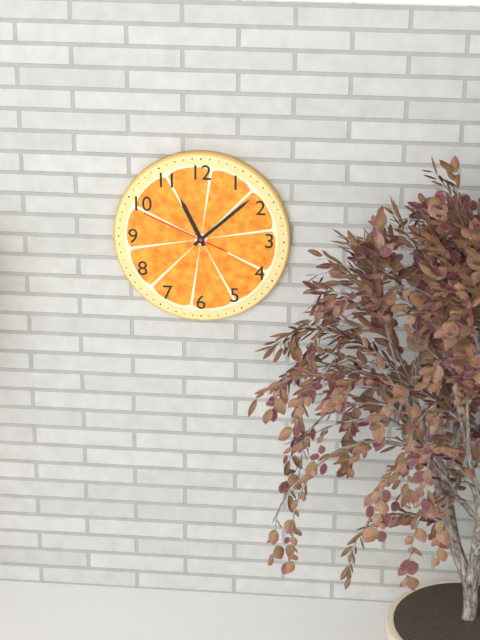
11 h 08 min 49 s
